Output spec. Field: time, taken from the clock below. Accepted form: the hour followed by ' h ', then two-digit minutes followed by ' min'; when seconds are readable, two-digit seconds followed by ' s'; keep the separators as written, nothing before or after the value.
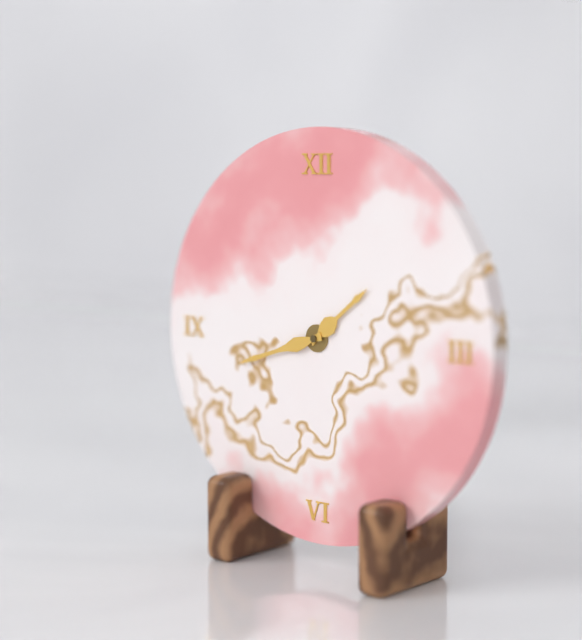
1 h 42 min
